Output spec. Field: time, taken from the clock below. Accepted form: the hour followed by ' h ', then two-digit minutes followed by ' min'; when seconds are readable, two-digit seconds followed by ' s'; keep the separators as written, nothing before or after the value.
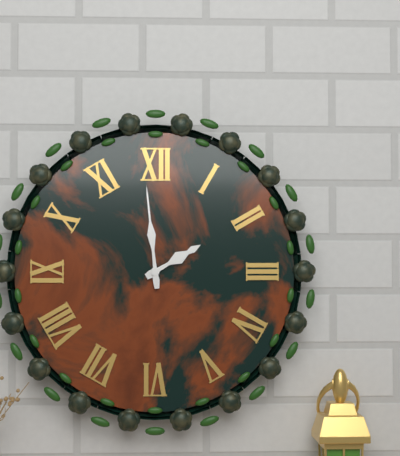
1 h 59 min
